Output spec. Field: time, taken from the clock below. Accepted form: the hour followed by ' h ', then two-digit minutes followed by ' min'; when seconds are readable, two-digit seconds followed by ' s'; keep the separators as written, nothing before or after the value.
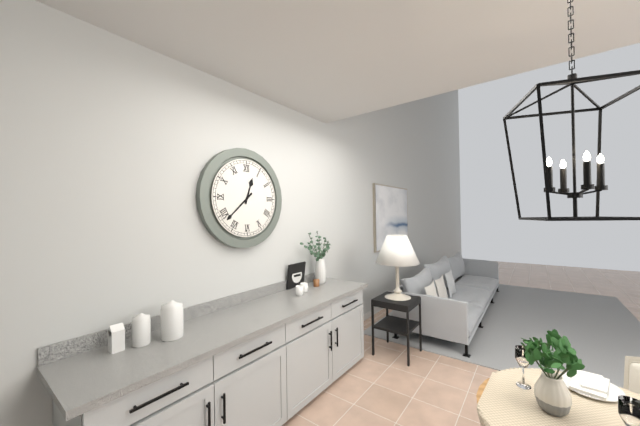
12 h 38 min
